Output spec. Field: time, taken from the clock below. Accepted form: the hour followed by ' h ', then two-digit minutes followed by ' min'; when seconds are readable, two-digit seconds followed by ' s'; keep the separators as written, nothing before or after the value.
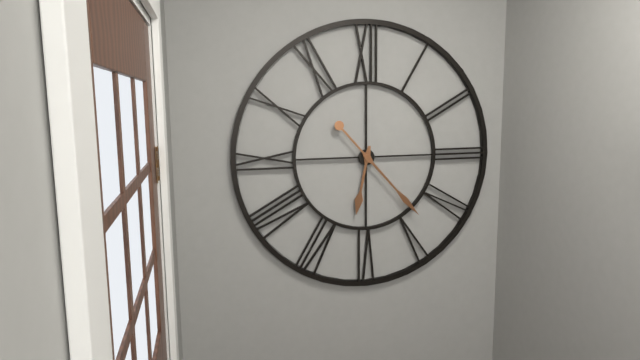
6 h 23 min
